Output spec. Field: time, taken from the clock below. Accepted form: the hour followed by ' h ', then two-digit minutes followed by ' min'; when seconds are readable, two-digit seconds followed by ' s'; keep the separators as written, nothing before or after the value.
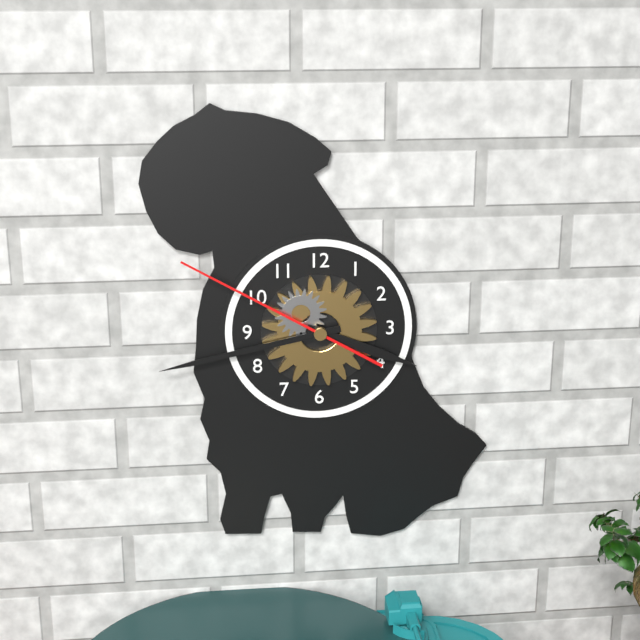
3 h 43 min 50 s
